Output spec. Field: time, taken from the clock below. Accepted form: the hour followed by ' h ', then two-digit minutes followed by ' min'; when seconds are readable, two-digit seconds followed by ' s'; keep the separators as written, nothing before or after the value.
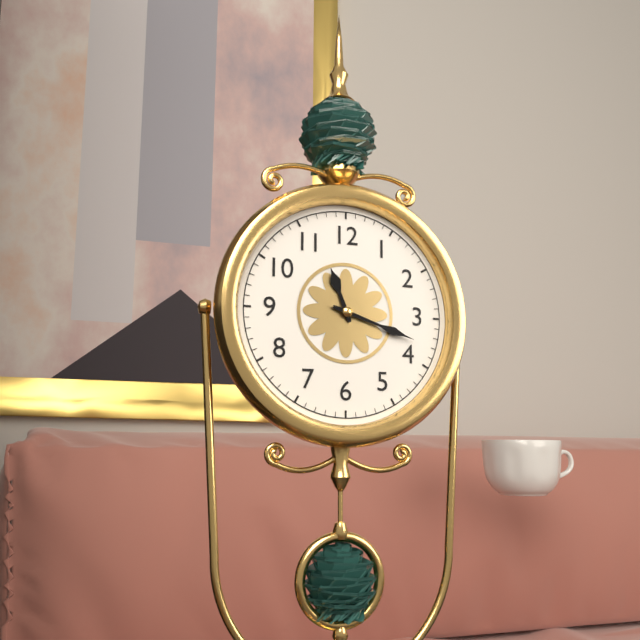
11 h 18 min
